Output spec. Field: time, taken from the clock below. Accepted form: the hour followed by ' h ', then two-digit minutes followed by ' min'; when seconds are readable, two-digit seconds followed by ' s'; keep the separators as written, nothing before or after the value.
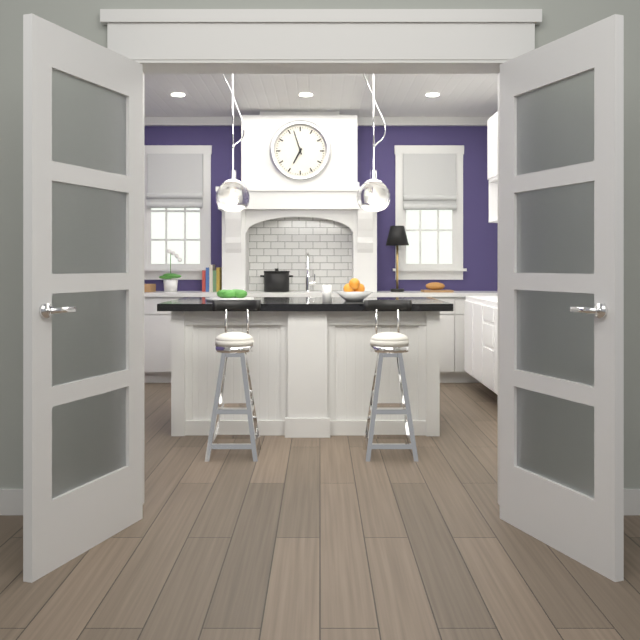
6 h 57 min
